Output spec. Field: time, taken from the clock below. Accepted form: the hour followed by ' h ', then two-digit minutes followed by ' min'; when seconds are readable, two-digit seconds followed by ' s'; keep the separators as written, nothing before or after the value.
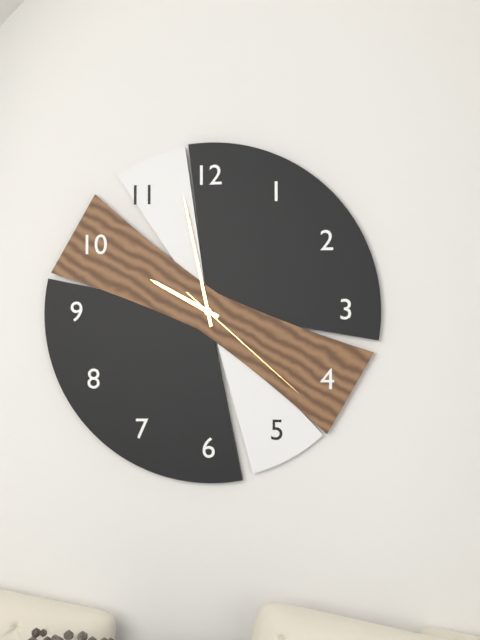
9 h 58 min 22 s
